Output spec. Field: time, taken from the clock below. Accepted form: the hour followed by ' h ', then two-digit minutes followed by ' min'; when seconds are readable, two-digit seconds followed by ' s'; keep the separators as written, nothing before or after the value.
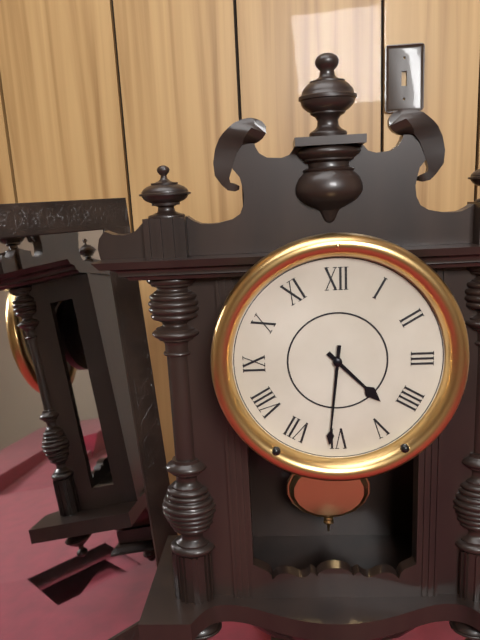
4 h 31 min
